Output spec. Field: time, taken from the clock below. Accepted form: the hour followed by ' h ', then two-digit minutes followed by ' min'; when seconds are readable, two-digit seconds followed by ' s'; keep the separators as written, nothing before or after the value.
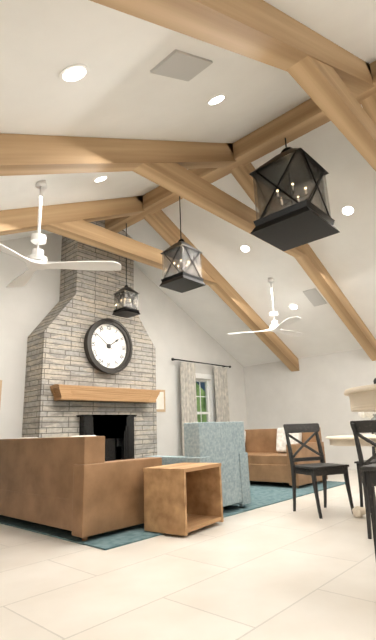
1 h 51 min
